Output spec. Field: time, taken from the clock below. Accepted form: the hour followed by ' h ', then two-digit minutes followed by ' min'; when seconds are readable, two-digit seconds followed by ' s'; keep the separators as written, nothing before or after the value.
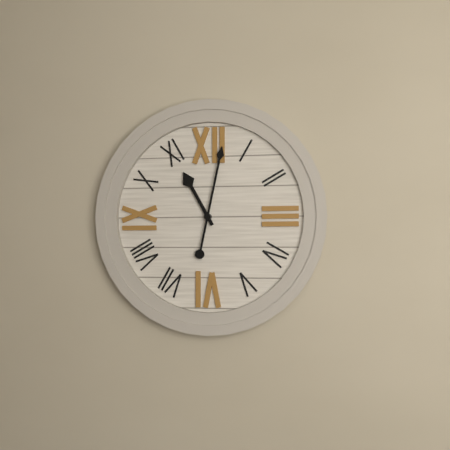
11 h 02 min
